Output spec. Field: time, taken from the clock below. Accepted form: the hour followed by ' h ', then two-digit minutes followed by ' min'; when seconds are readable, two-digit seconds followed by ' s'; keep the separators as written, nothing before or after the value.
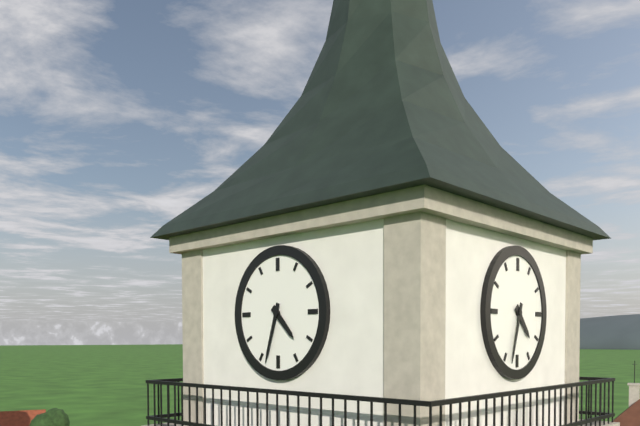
4 h 33 min
